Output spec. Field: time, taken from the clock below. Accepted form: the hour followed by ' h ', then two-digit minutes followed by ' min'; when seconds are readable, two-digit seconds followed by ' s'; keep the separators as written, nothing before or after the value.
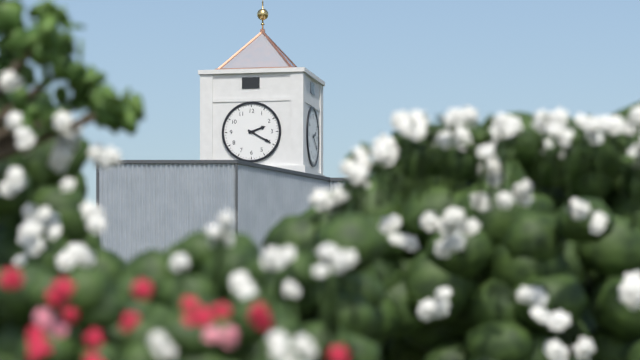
2 h 20 min
